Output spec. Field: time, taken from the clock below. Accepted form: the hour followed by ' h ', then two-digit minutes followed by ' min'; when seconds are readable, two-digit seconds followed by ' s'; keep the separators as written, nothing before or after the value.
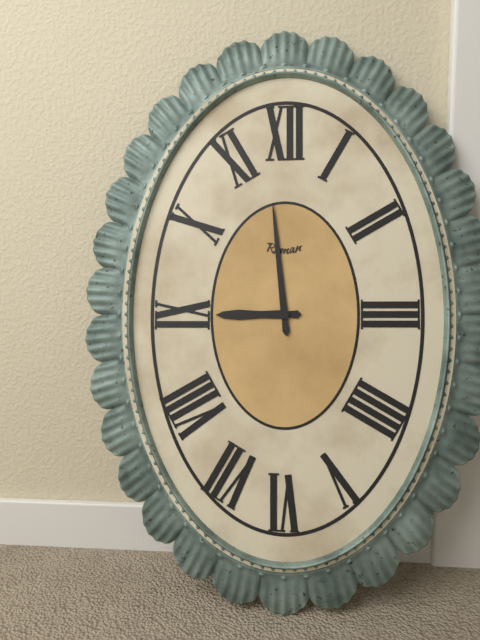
8 h 59 min
